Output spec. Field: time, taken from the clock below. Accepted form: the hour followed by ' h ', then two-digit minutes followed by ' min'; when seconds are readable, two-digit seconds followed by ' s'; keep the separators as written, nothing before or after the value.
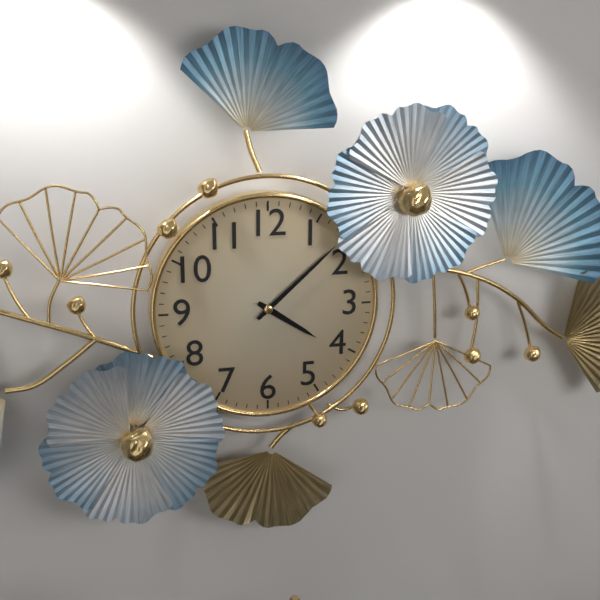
4 h 08 min
